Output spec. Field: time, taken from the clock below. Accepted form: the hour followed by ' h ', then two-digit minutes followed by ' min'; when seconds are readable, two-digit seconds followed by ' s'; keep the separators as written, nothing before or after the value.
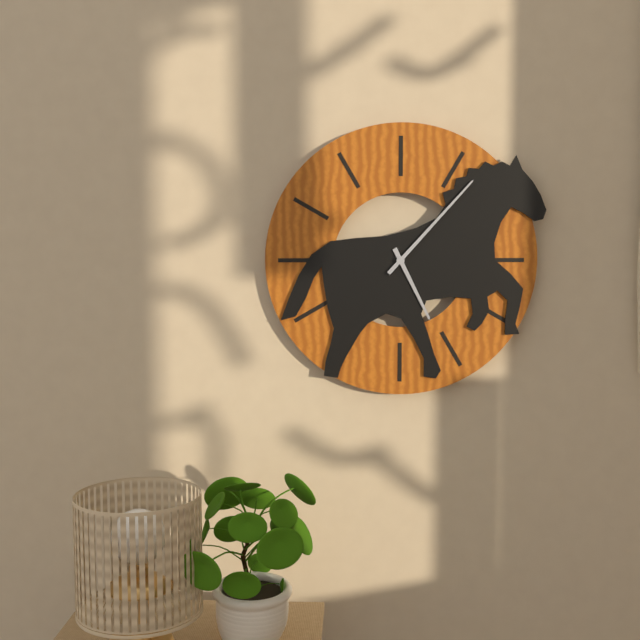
5 h 07 min
